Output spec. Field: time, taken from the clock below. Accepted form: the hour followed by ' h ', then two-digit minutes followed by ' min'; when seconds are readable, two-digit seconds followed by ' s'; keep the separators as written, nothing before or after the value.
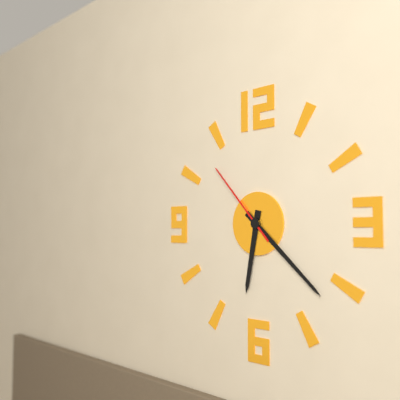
6 h 22 min 53 s
